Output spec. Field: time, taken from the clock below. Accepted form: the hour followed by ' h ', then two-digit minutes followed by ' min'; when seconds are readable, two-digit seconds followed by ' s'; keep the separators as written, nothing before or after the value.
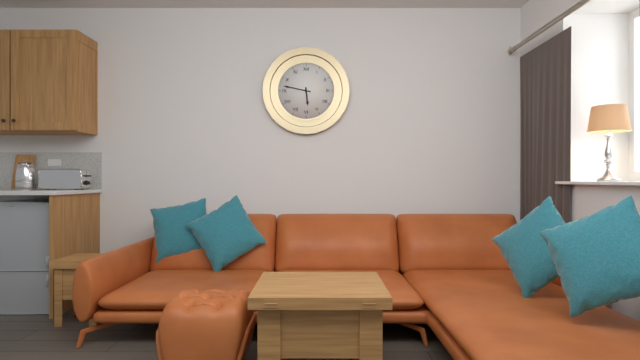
5 h 47 min
